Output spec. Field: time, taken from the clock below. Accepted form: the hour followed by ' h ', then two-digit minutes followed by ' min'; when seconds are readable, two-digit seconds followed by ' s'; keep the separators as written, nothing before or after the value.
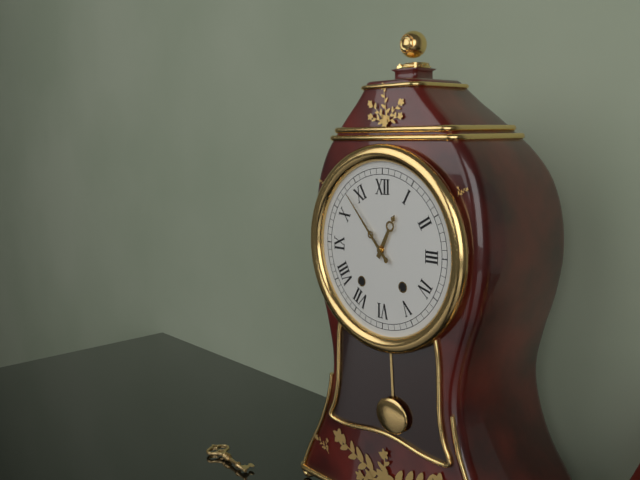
12 h 53 min
